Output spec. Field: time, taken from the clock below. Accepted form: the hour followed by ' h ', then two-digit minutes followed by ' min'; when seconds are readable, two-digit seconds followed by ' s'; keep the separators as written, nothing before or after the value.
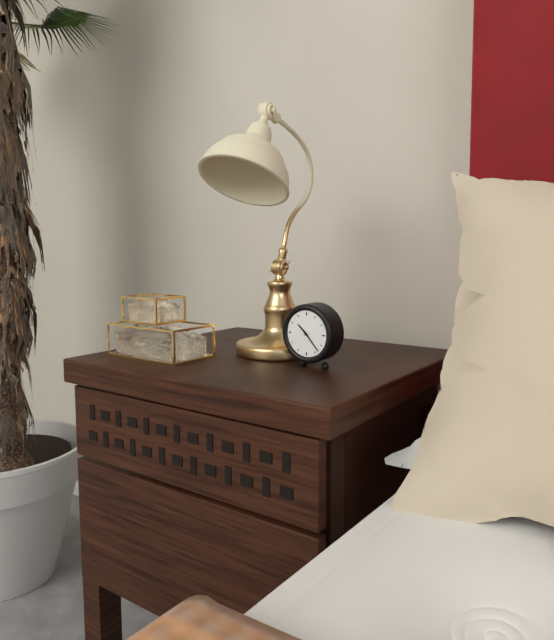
10 h 23 min
